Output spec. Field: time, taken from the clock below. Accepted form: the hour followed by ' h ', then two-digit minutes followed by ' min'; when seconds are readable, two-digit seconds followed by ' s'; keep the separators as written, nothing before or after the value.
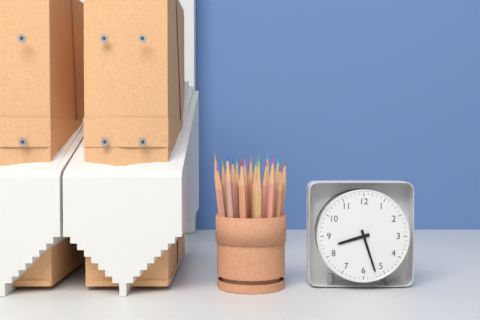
8 h 27 min
